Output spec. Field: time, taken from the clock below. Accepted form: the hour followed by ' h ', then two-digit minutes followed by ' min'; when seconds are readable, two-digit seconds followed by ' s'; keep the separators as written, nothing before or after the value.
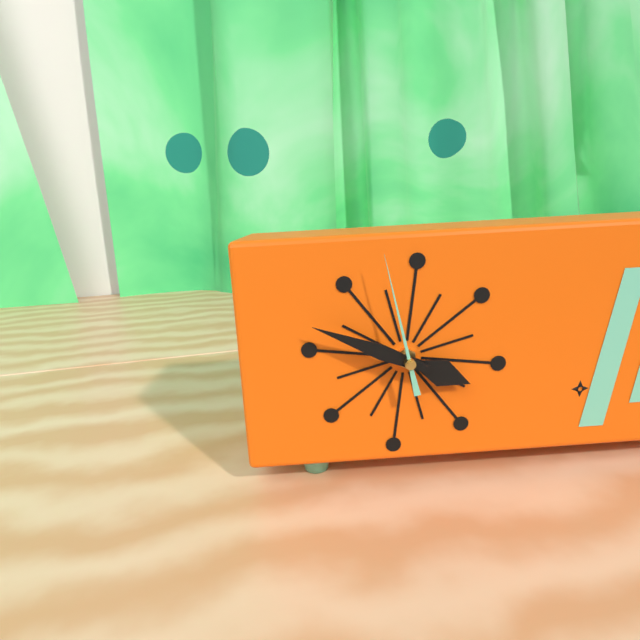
3 h 49 min 58 s
